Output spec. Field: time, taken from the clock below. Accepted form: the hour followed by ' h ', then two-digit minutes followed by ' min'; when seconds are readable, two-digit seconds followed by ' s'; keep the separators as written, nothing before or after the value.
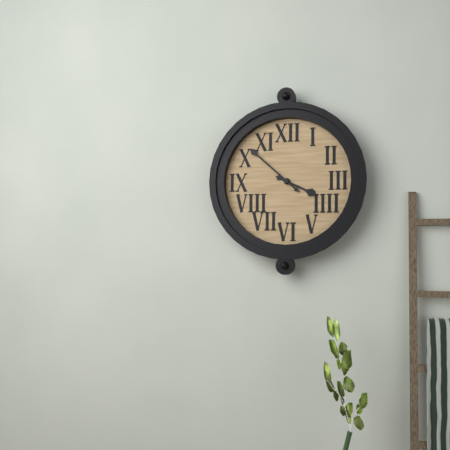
3 h 52 min
